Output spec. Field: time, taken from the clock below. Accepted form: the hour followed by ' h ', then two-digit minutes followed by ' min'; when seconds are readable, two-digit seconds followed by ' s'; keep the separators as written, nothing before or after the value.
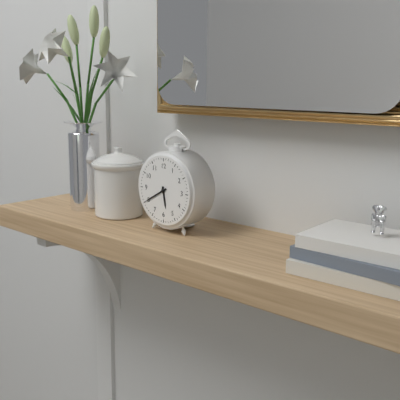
5 h 40 min
